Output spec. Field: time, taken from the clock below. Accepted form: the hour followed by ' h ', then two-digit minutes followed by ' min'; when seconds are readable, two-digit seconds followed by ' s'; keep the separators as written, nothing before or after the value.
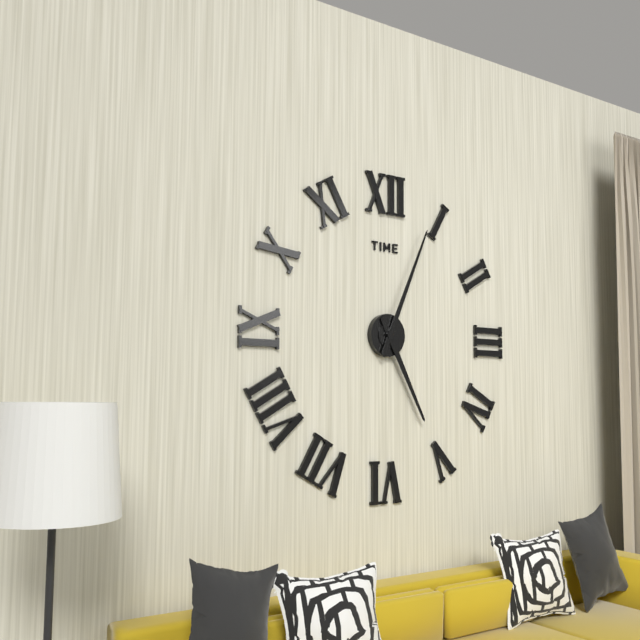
5 h 04 min
